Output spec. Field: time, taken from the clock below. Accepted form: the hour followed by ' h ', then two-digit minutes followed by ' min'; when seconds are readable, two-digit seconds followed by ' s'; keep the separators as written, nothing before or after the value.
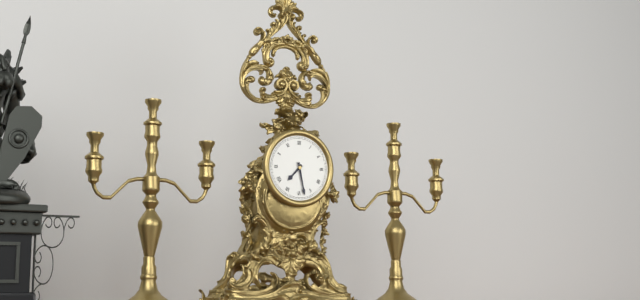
7 h 28 min
